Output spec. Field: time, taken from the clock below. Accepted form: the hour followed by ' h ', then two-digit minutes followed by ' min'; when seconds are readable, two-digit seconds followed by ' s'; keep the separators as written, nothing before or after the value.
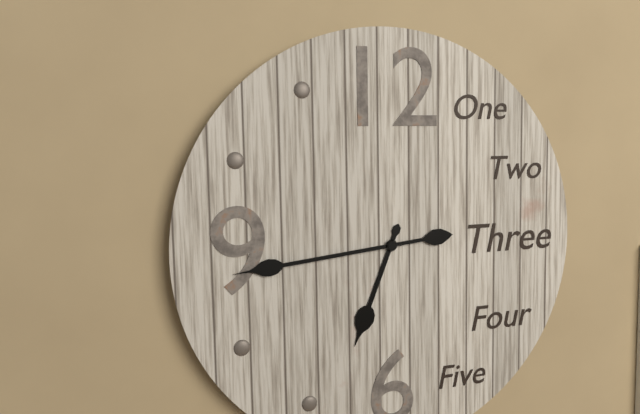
6 h 44 min
